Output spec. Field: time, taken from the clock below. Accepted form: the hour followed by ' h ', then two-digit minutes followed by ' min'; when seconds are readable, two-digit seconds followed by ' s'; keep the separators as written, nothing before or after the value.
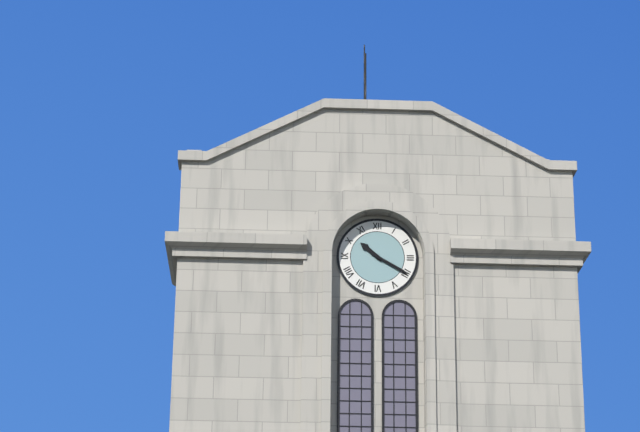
10 h 20 min
